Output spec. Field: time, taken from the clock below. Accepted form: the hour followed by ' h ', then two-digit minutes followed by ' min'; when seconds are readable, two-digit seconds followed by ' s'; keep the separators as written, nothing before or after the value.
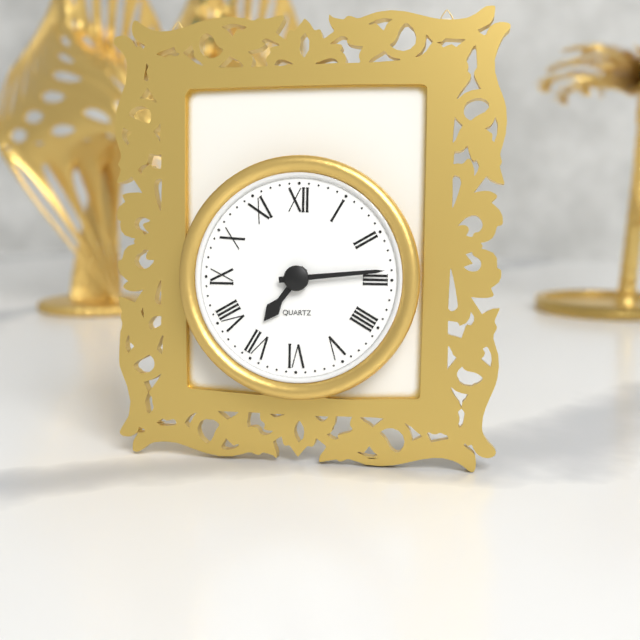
7 h 14 min
